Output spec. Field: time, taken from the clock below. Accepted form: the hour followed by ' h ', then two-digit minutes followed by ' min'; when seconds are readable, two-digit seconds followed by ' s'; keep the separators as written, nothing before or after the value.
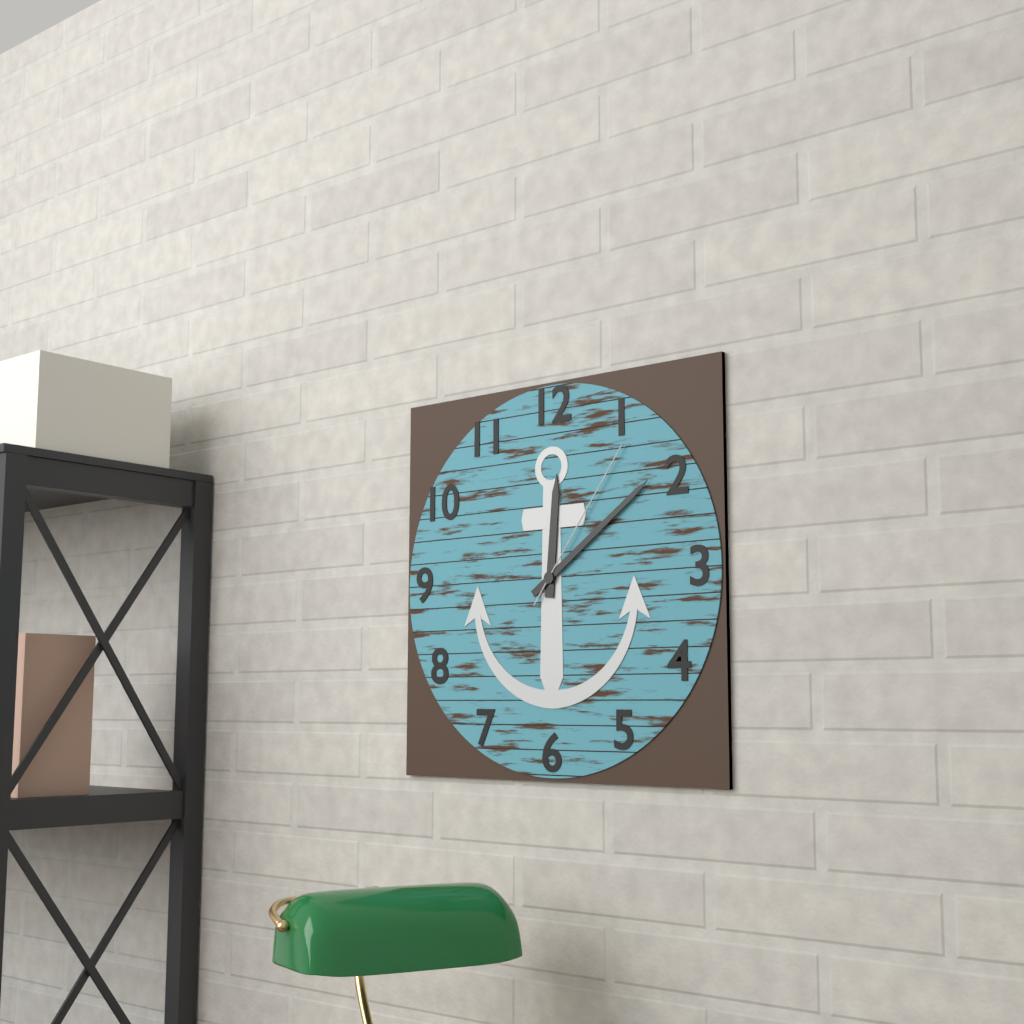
12 h 09 min 06 s
